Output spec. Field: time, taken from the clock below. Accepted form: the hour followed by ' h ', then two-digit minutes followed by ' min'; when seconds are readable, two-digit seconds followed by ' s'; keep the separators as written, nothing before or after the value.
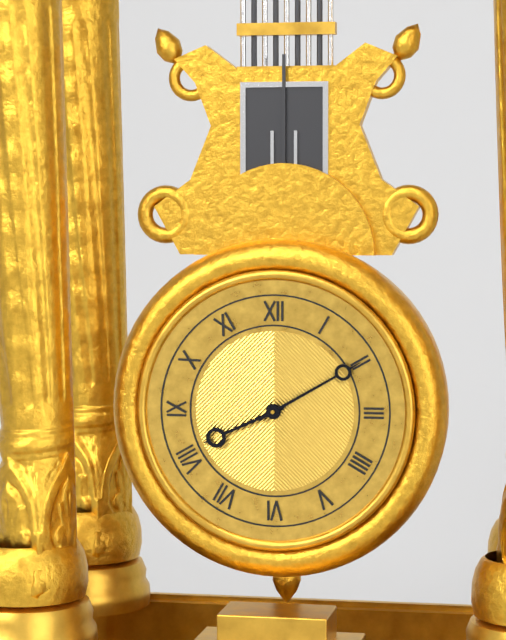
8 h 10 min
